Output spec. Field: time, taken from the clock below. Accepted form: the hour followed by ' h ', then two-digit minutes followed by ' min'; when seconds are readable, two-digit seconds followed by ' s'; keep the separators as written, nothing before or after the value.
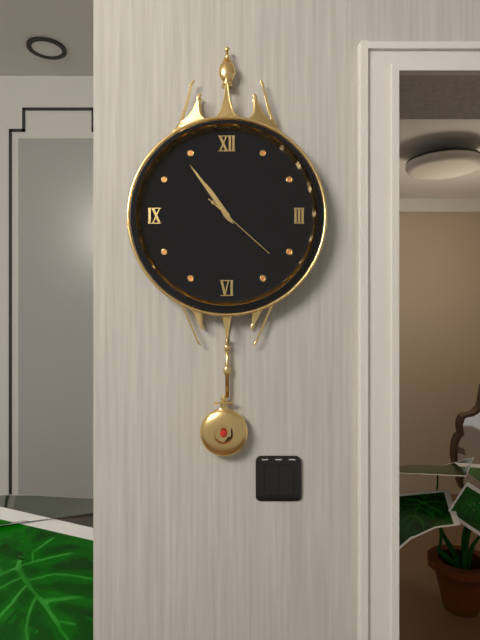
10 h 54 min 22 s
